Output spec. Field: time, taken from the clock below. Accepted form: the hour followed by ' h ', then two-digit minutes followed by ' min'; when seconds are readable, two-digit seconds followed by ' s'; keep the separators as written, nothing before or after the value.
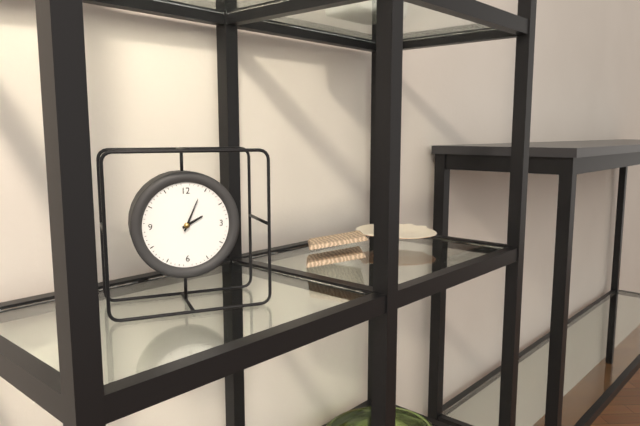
2 h 04 min
